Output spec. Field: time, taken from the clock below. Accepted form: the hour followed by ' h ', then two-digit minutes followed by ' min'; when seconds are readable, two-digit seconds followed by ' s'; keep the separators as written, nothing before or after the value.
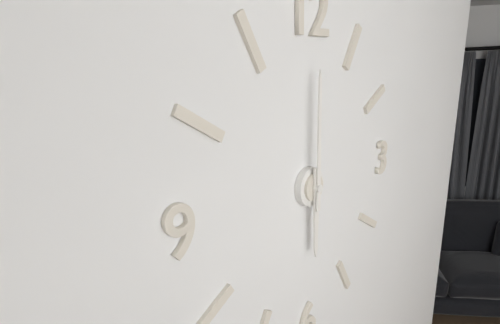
6 h 00 min
